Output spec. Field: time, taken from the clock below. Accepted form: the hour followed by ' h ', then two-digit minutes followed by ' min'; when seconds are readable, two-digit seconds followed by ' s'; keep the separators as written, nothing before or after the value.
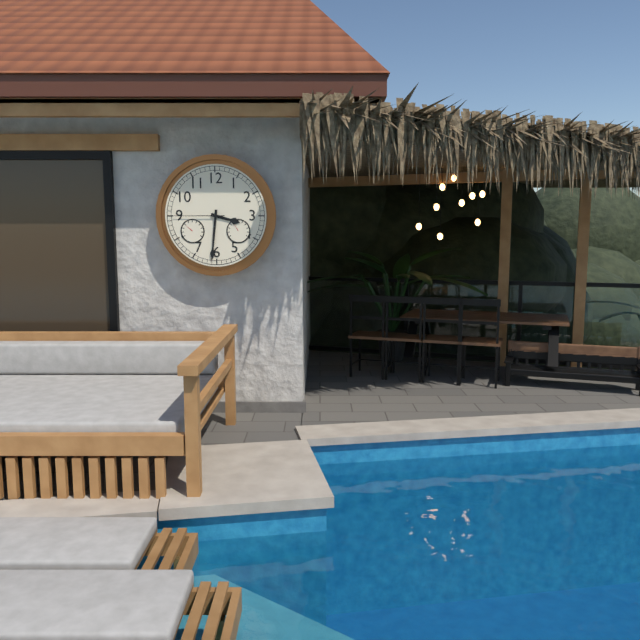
3 h 31 min 45 s
